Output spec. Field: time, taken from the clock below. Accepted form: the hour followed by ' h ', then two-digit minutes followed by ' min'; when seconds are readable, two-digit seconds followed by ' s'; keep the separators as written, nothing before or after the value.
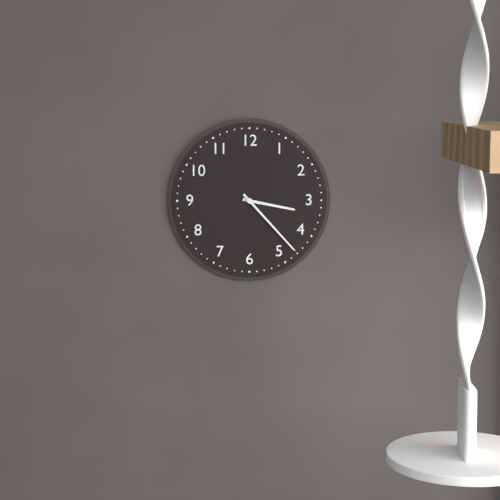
3 h 23 min
